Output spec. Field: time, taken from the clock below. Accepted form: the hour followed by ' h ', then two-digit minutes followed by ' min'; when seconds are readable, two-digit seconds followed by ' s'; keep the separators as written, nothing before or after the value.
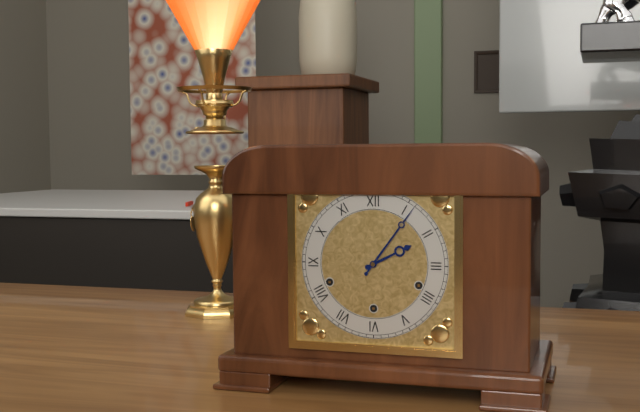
2 h 06 min
